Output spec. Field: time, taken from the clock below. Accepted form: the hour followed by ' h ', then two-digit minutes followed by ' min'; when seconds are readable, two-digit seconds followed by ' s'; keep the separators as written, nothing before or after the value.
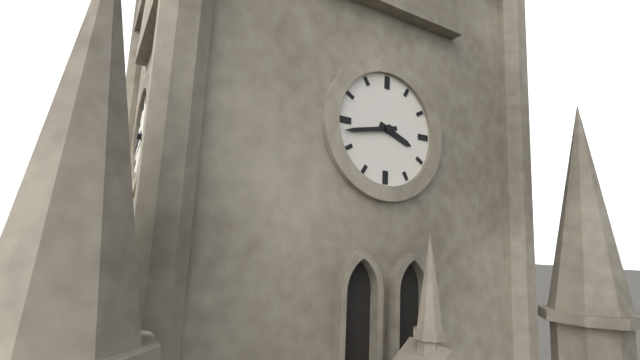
3 h 43 min
